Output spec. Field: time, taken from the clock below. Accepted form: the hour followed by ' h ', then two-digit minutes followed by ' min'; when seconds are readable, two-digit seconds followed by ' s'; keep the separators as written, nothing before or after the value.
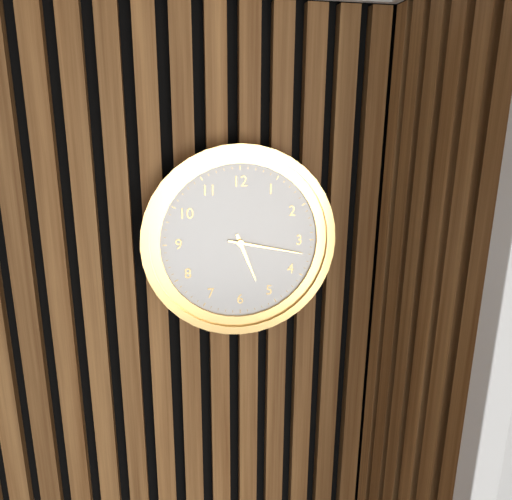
5 h 17 min
